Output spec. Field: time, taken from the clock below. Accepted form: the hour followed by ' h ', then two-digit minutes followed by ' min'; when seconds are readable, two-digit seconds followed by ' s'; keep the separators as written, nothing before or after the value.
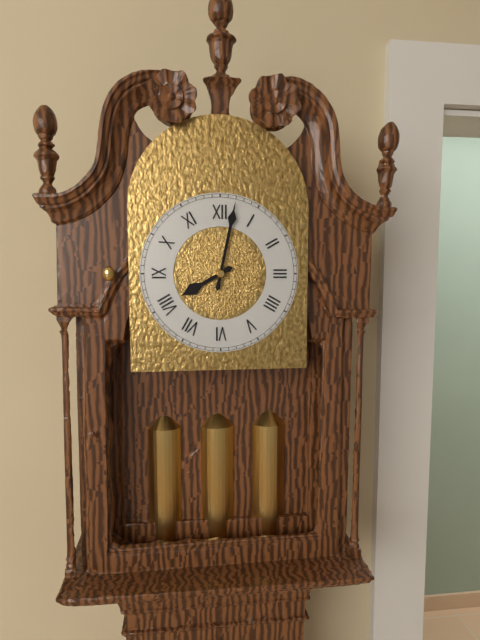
8 h 02 min
